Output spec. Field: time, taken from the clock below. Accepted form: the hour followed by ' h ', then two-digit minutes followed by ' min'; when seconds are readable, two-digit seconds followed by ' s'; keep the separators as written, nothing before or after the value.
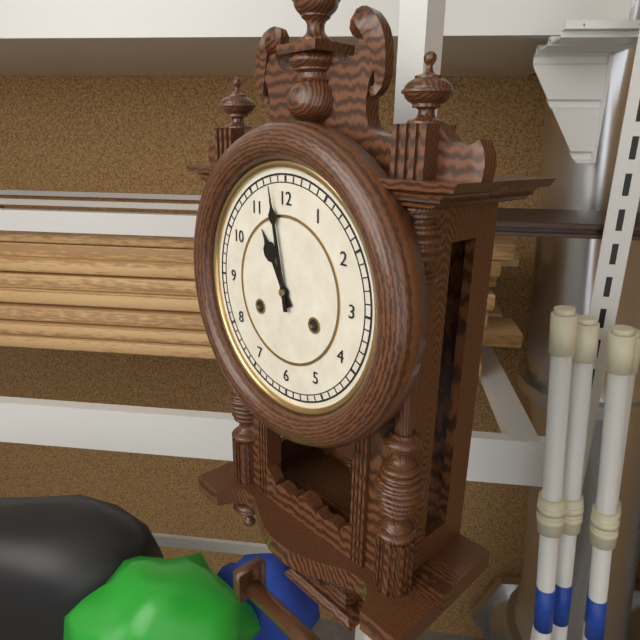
10 h 58 min
